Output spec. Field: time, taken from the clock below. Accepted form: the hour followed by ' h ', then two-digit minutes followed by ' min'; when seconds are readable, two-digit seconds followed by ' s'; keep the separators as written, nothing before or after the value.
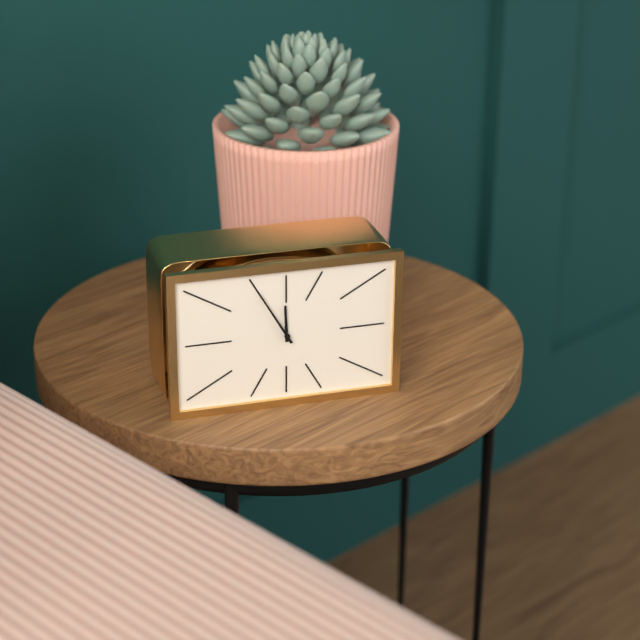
11 h 55 min
